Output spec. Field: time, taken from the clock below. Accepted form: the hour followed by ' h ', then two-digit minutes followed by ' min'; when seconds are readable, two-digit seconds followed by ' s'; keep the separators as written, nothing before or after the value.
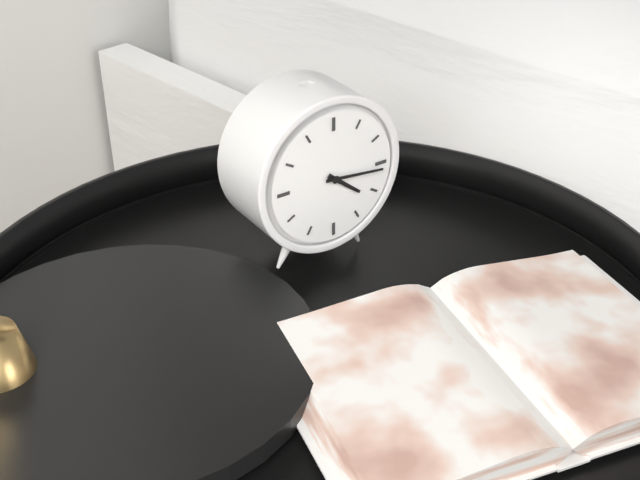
4 h 16 min
